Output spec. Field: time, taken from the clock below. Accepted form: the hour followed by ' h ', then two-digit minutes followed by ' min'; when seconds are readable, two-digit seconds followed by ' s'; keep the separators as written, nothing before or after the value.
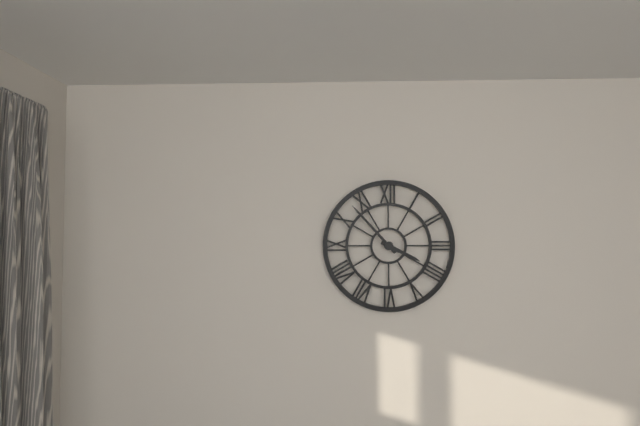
3 h 53 min
